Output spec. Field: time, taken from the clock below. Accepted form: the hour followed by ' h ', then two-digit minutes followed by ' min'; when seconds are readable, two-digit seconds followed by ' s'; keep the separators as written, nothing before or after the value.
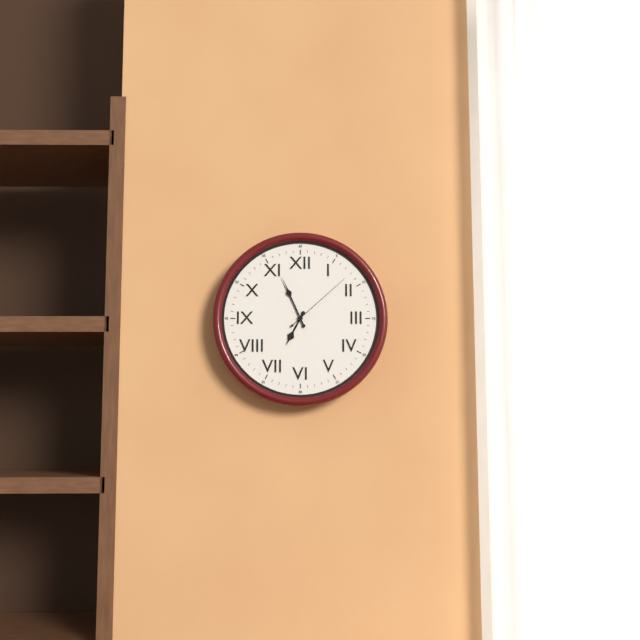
6 h 56 min 08 s
